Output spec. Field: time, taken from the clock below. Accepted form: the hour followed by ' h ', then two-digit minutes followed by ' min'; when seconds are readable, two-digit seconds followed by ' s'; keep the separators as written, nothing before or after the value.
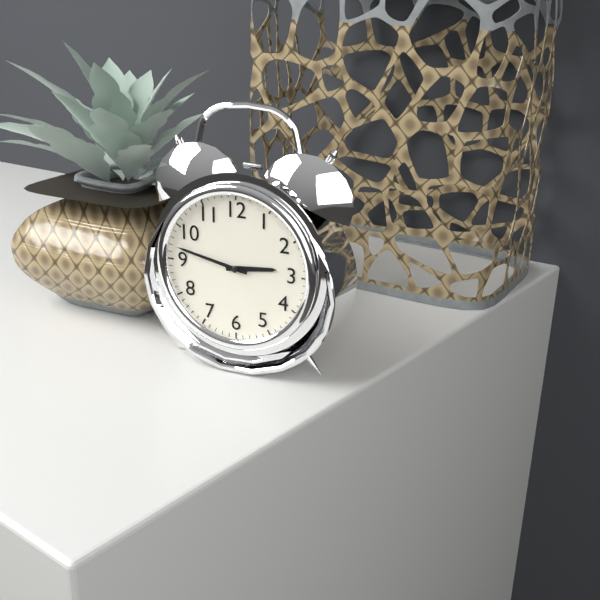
2 h 47 min
